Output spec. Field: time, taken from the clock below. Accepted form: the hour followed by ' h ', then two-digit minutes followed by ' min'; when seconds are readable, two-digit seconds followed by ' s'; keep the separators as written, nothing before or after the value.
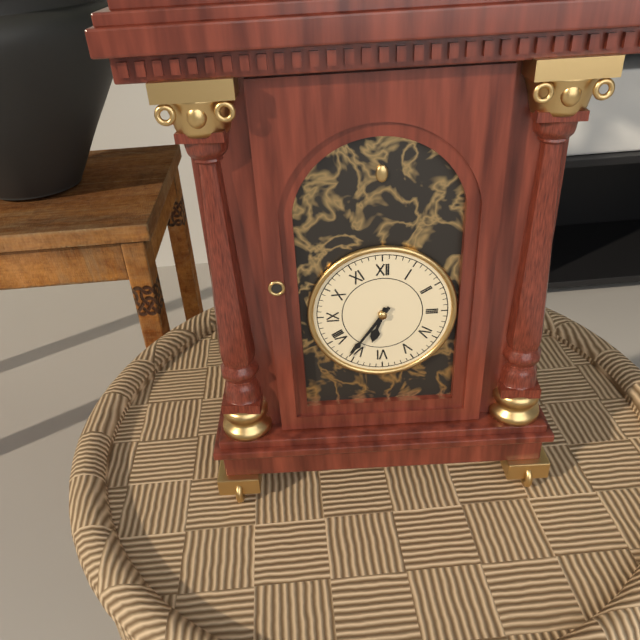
6 h 36 min
